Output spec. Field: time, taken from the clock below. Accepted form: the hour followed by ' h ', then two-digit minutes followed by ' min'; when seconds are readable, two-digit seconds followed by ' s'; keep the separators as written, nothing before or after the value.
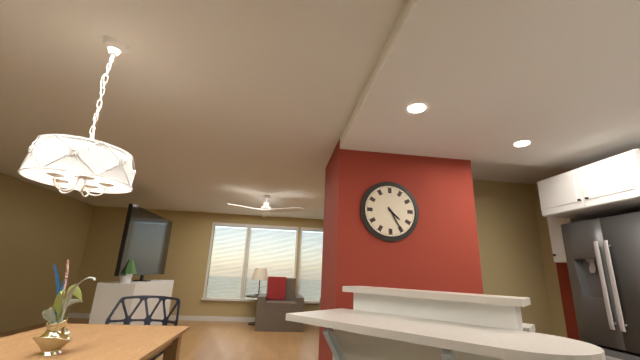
4 h 25 min
